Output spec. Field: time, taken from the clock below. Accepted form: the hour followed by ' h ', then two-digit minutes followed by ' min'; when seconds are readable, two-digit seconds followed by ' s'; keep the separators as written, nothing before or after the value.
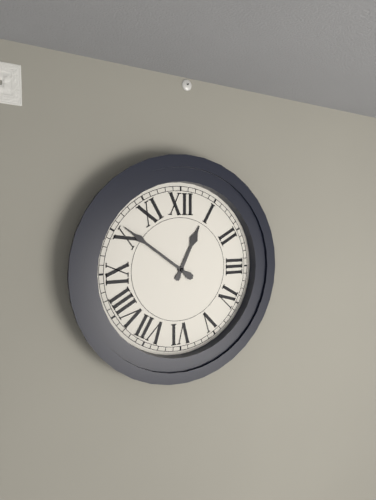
12 h 51 min
